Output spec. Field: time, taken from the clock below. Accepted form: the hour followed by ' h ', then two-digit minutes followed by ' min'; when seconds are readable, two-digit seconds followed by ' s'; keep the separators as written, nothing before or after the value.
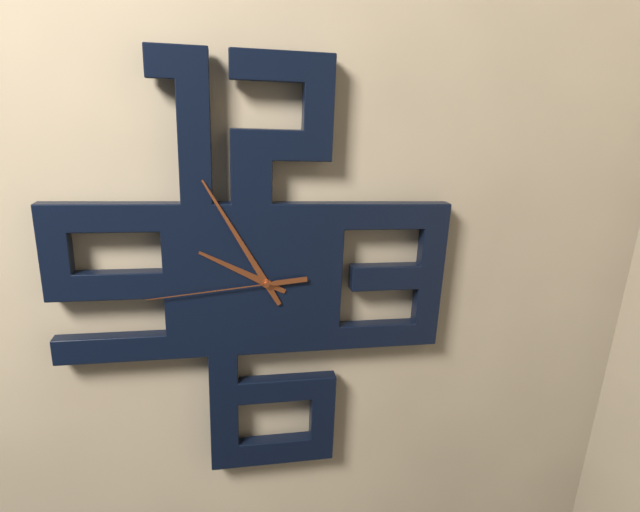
9 h 55 min 44 s
